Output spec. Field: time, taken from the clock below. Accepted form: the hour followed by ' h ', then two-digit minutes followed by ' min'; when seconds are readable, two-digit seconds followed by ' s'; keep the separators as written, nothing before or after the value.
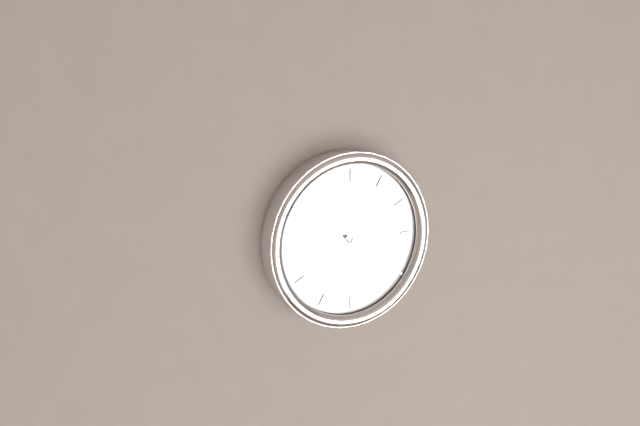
4 h 21 min 38 s
